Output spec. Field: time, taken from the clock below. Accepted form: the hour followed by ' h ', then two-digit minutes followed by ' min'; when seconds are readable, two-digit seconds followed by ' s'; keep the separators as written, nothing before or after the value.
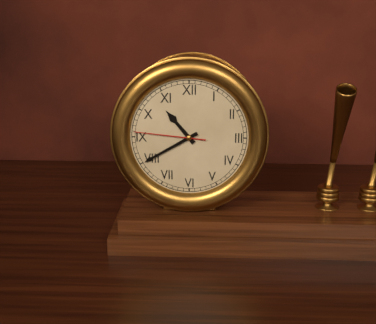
10 h 40 min 46 s
